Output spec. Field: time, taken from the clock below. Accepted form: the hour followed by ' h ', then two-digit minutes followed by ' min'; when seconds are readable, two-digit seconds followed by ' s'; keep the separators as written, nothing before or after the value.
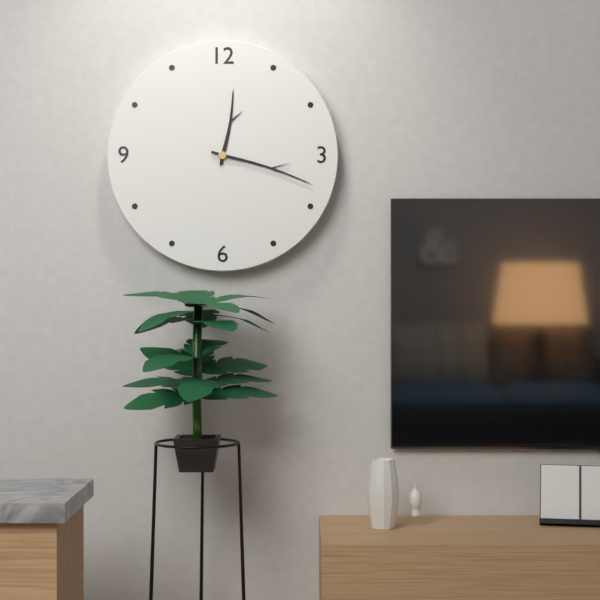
12 h 18 min
